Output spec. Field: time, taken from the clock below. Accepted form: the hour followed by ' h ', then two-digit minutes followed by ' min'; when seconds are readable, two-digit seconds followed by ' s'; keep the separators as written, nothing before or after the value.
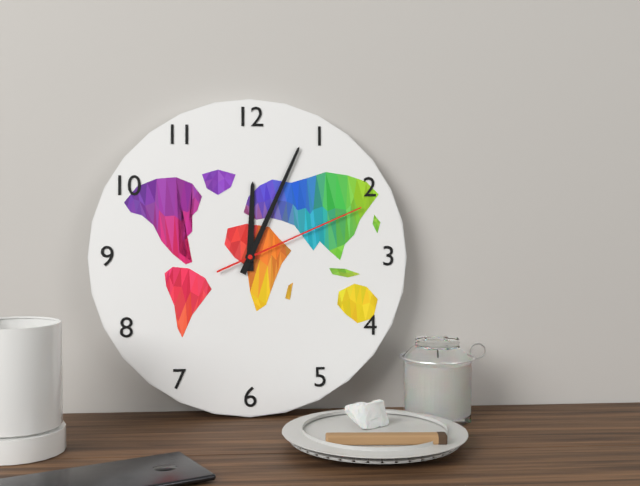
12 h 04 min 11 s
